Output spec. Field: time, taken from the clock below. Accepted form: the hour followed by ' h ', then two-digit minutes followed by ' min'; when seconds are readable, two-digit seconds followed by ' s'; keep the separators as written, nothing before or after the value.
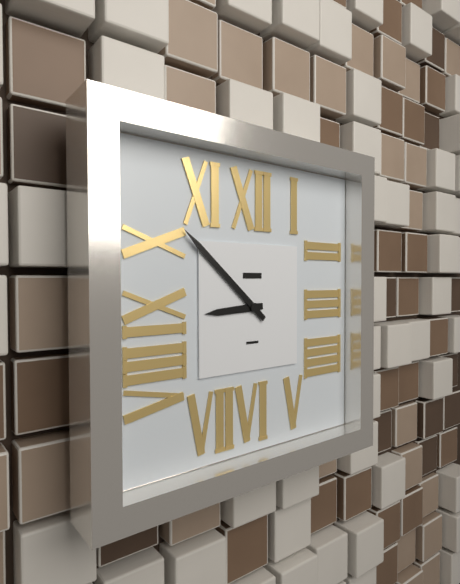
8 h 52 min
